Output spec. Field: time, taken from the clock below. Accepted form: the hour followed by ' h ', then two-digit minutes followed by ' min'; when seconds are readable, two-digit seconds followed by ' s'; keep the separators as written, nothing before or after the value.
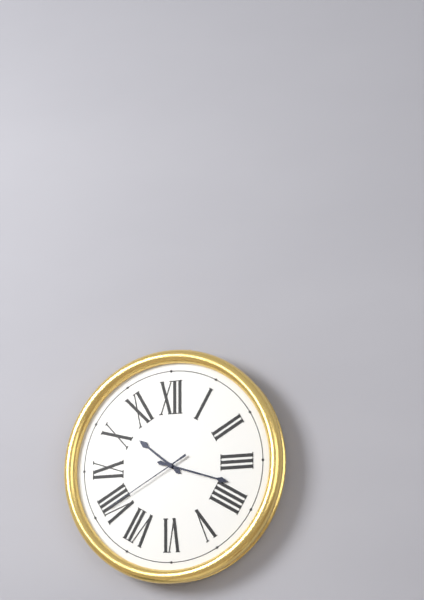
10 h 18 min 40 s
